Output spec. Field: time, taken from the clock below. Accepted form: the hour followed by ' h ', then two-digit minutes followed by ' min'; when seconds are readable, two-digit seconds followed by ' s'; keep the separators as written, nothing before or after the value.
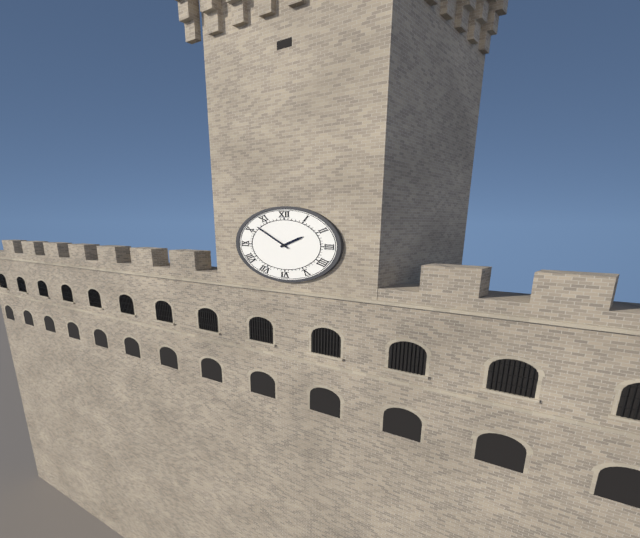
1 h 52 min
